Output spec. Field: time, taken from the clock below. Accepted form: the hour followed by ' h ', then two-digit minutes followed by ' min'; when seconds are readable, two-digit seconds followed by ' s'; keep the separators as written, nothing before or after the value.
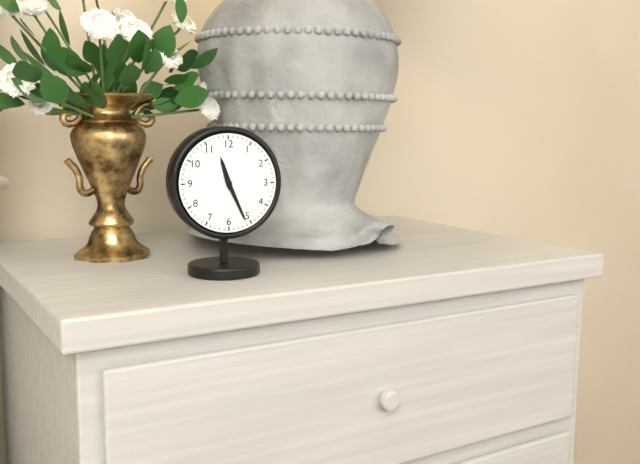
11 h 26 min
